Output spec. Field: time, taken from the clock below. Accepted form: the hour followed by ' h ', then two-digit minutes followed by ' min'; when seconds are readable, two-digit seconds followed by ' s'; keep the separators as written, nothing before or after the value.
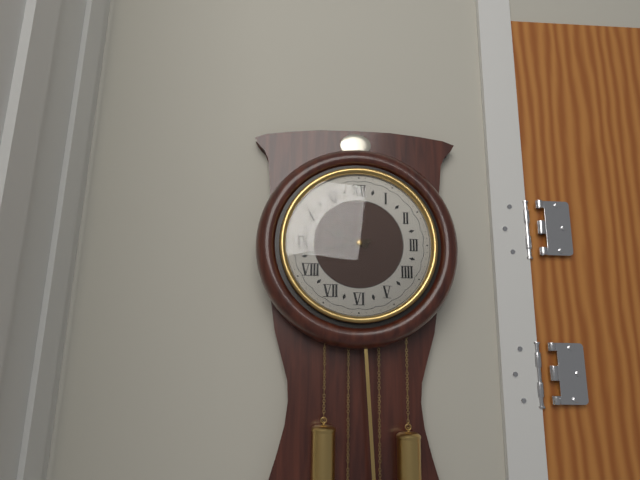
9 h 43 min
